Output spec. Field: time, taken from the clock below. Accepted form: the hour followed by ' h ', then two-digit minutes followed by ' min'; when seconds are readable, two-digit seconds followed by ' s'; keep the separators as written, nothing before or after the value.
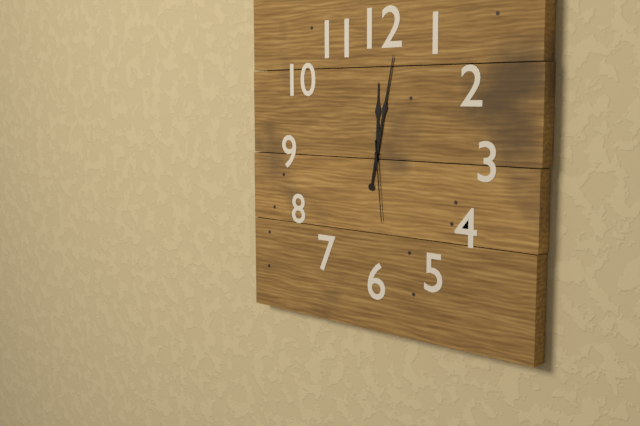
12 h 02 min 29 s
